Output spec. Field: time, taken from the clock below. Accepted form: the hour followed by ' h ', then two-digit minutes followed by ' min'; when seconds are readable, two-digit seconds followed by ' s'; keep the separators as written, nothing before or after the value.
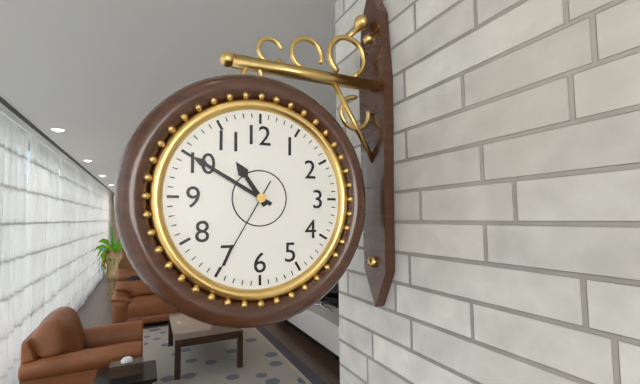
10 h 50 min 35 s
